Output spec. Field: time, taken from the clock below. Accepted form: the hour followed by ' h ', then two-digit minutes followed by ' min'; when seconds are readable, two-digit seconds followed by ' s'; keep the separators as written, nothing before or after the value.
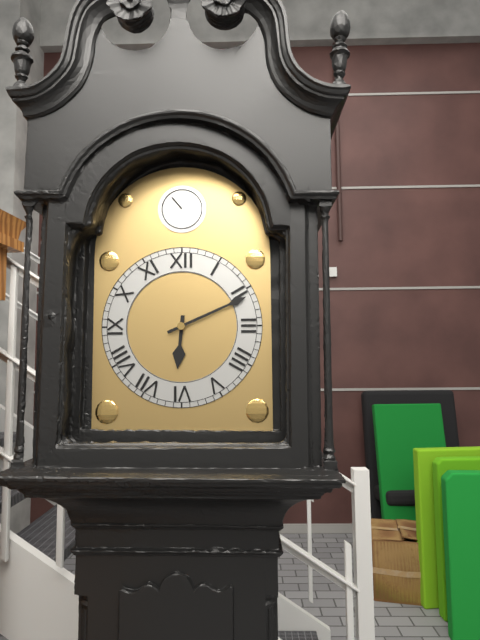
6 h 11 min
